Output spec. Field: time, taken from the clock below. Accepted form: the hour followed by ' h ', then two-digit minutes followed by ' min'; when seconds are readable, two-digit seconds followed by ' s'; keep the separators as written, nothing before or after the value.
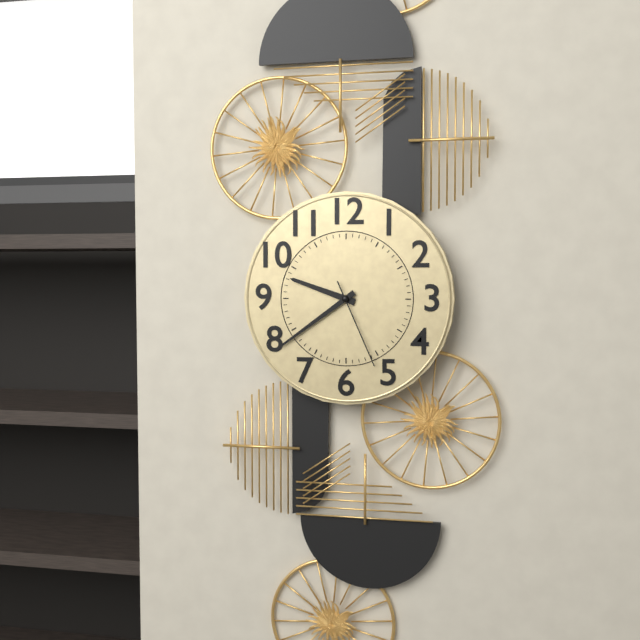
9 h 39 min 26 s
